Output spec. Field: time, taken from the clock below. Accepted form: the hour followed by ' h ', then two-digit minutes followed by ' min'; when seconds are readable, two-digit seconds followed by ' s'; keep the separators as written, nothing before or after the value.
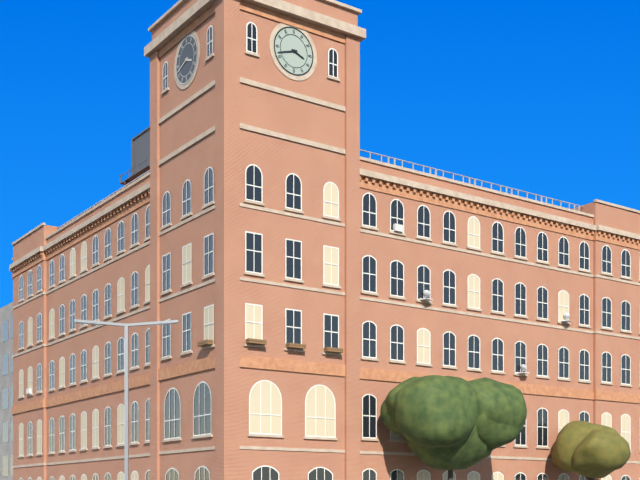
3 h 42 min
